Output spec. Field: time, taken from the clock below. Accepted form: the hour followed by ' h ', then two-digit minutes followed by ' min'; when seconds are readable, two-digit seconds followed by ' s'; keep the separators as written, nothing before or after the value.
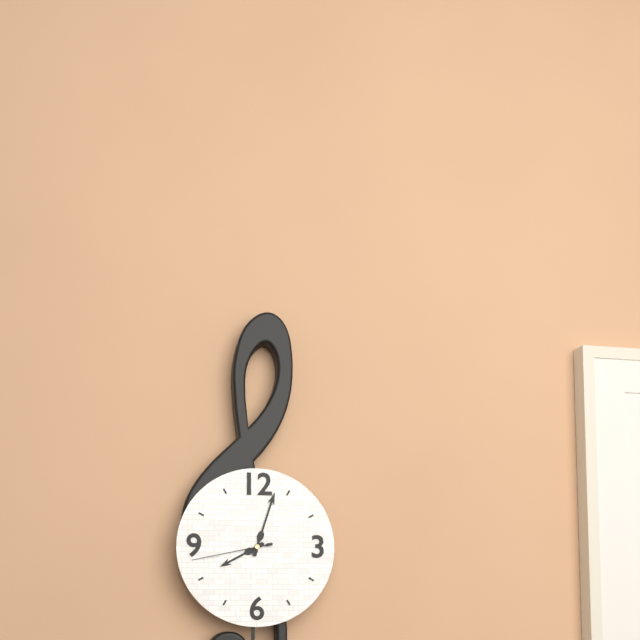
8 h 03 min 43 s
